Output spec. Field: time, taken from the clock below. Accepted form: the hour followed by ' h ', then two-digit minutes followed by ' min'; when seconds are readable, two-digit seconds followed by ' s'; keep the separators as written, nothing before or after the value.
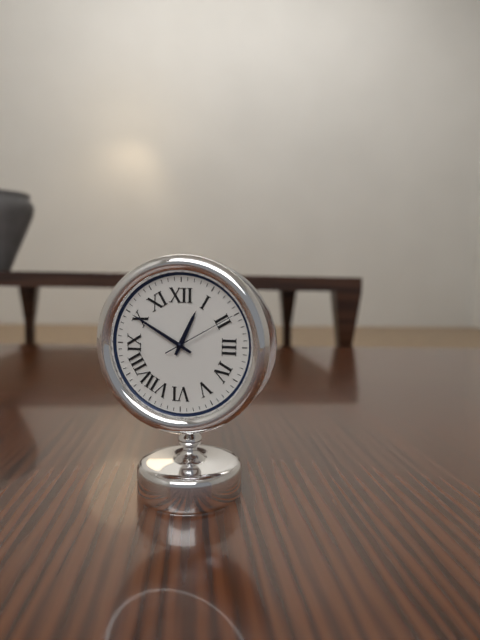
12 h 50 min 10 s
